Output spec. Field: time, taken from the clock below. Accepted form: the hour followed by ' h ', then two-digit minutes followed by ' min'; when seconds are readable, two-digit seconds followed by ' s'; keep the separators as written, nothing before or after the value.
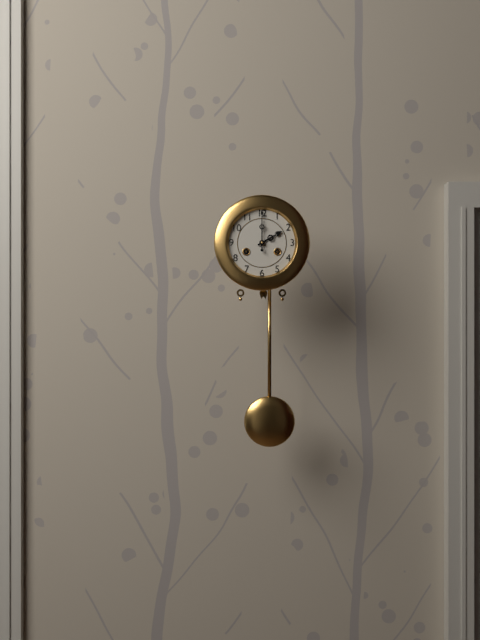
2 h 00 min
